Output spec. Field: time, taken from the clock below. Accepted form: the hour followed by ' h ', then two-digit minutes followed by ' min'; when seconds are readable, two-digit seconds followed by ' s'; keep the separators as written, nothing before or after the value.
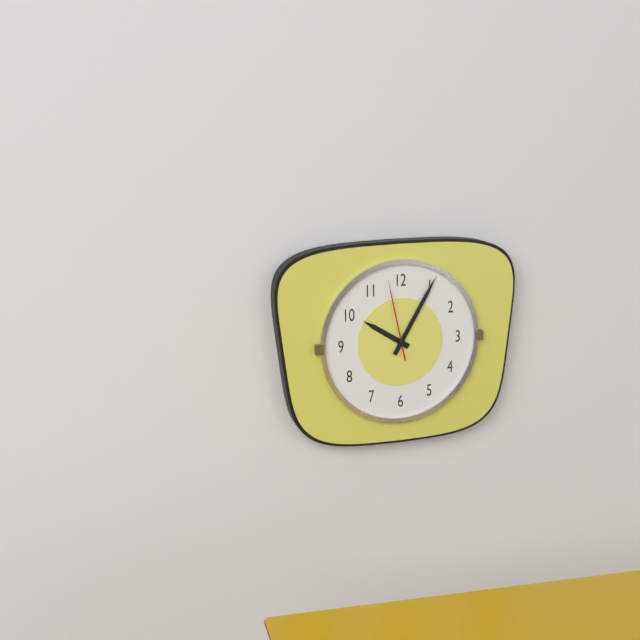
10 h 05 min 58 s
